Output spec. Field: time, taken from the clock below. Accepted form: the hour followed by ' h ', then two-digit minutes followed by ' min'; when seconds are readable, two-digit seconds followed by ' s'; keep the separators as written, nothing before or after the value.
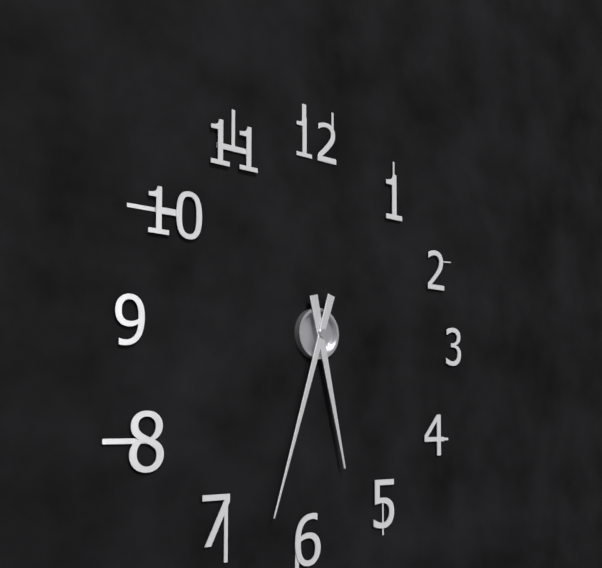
5 h 33 min
